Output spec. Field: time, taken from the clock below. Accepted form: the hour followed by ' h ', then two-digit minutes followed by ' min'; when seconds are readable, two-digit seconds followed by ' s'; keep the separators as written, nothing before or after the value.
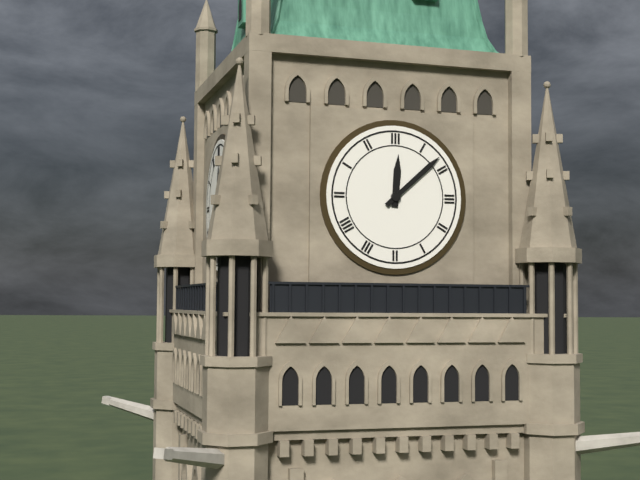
12 h 08 min
